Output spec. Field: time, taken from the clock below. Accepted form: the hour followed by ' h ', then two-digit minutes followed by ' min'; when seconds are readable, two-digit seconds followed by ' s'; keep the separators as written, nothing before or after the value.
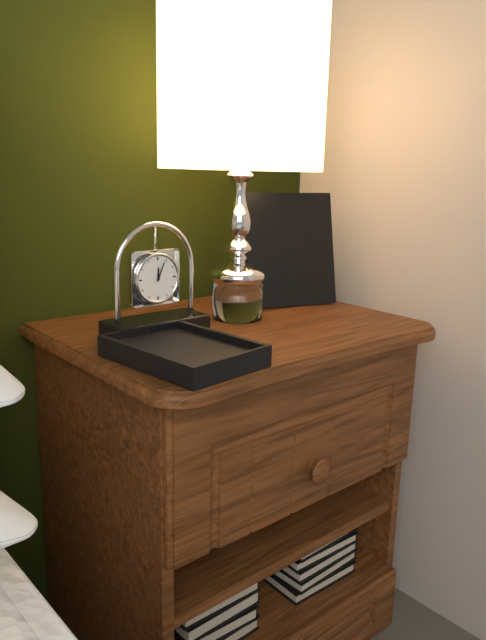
12 h 04 min
